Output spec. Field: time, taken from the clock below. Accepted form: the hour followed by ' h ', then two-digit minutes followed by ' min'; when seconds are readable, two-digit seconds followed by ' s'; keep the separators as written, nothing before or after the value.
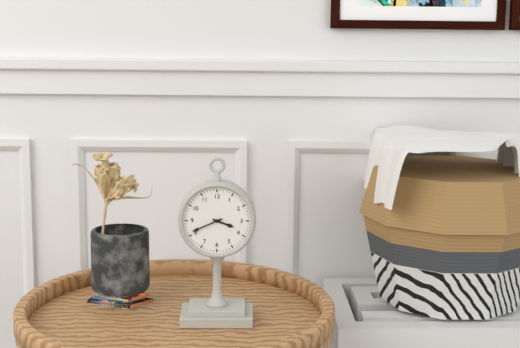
3 h 41 min
